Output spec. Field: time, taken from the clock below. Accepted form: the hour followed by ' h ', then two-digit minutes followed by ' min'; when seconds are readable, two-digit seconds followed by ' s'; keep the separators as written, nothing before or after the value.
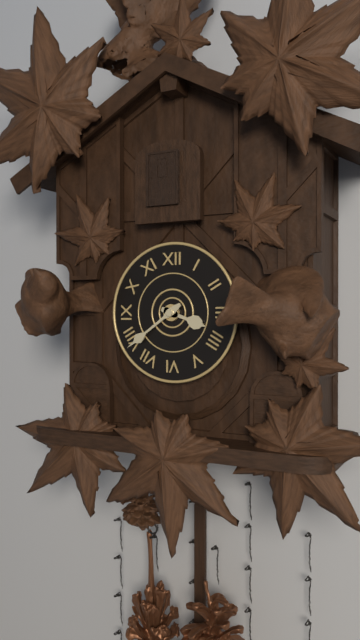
3 h 39 min
